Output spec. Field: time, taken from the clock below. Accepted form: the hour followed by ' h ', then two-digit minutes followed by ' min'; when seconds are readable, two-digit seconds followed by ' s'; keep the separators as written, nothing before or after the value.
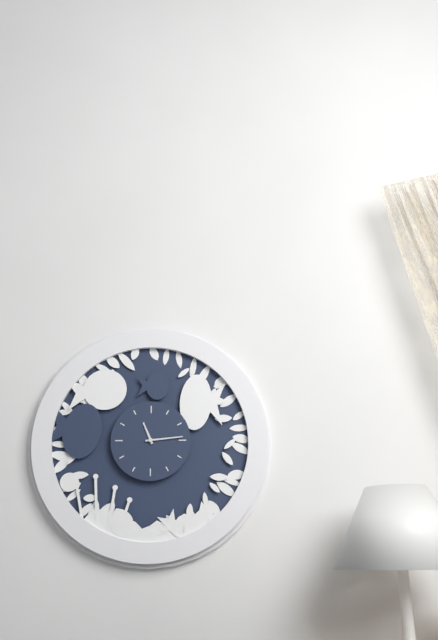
11 h 14 min
